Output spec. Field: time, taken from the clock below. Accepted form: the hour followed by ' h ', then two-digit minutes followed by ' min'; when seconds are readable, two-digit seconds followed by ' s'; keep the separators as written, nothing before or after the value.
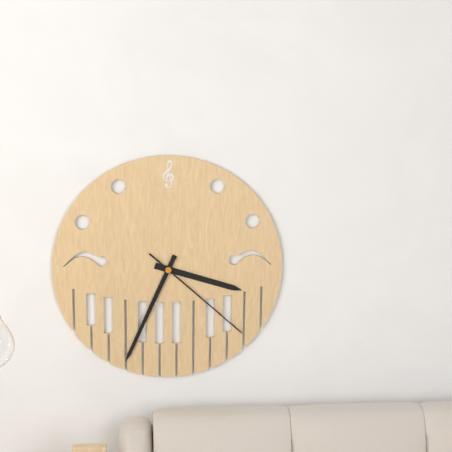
3 h 34 min 22 s
